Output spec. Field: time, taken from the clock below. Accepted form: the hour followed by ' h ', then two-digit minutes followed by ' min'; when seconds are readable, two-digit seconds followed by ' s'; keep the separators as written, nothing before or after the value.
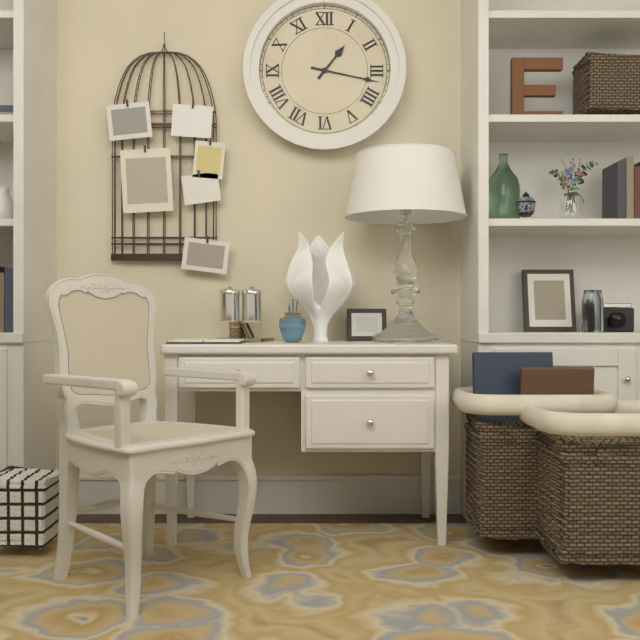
1 h 17 min
